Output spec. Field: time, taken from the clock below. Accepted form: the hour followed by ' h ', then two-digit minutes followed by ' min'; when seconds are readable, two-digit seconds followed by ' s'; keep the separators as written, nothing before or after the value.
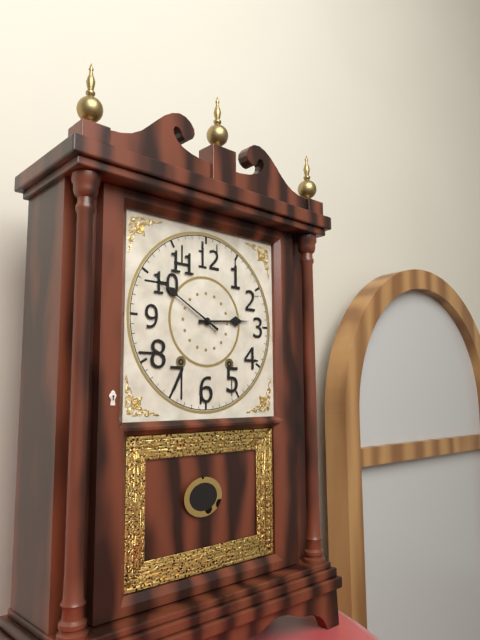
2 h 50 min
